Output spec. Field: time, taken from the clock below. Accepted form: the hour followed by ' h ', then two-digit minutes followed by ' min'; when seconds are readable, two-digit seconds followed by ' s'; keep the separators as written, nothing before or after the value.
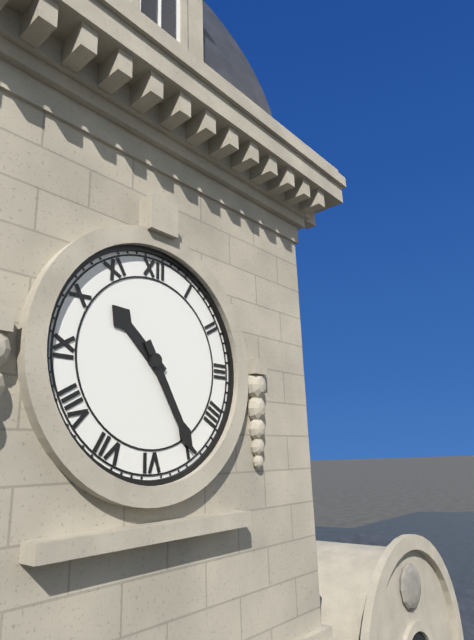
10 h 25 min
